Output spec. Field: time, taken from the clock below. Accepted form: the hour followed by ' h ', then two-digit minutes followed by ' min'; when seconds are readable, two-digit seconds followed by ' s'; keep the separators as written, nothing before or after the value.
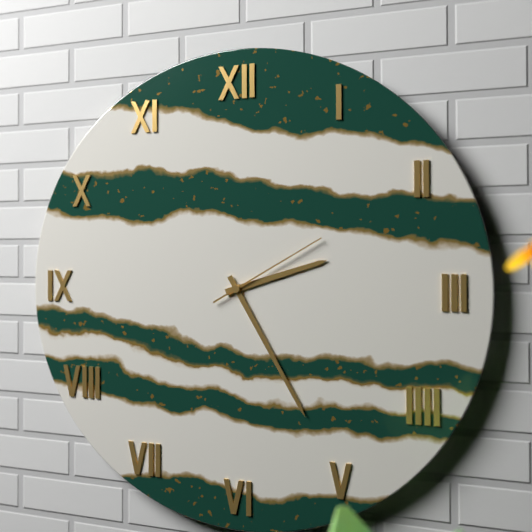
2 h 25 min 10 s
